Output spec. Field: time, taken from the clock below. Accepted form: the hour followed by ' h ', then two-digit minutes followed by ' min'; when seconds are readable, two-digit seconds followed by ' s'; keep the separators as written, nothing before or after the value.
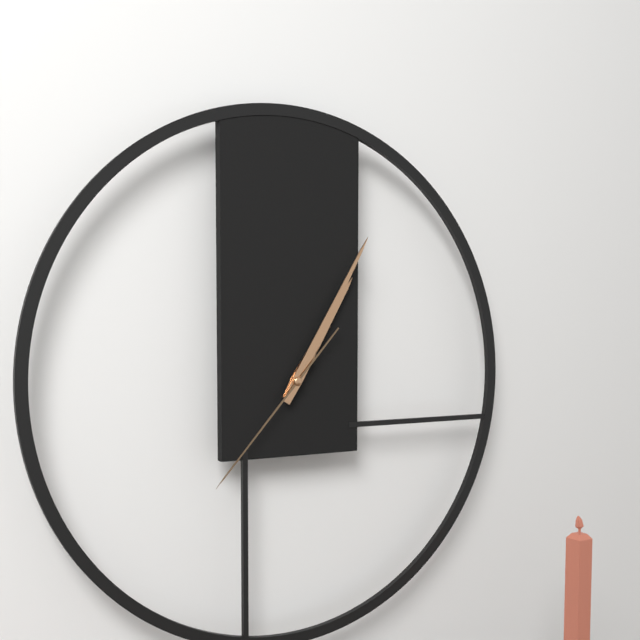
1 h 05 min 37 s
